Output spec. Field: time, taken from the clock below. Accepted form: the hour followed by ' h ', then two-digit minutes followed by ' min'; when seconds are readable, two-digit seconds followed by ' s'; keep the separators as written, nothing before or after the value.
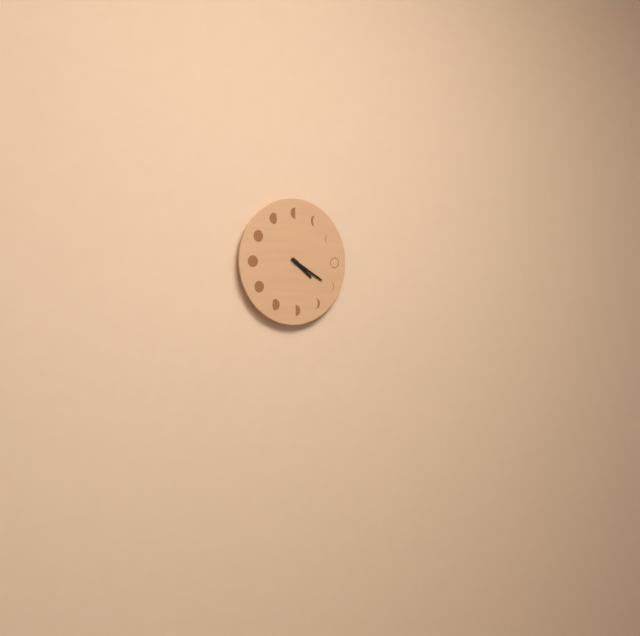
4 h 20 min
